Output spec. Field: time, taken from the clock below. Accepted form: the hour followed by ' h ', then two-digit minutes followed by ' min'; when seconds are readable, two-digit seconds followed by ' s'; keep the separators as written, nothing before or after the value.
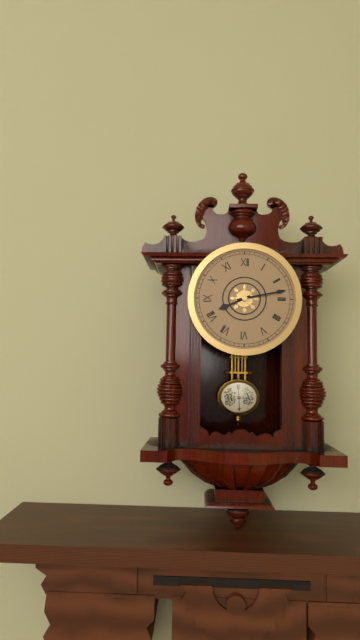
8 h 13 min
